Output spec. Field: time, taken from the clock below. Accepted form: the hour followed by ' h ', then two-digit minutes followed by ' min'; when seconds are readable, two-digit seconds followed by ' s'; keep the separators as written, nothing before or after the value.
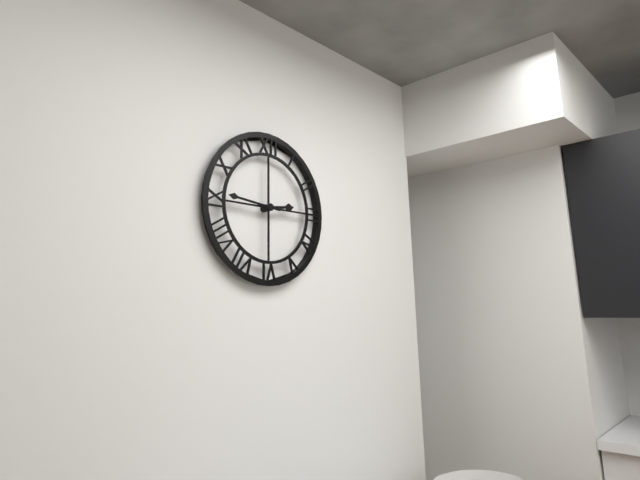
2 h 46 min
